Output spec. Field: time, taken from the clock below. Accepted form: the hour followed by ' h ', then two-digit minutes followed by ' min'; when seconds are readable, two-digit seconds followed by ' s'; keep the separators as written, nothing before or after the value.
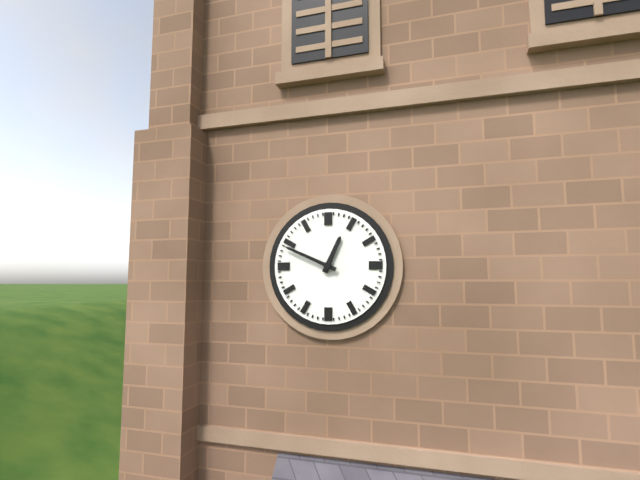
12 h 49 min
